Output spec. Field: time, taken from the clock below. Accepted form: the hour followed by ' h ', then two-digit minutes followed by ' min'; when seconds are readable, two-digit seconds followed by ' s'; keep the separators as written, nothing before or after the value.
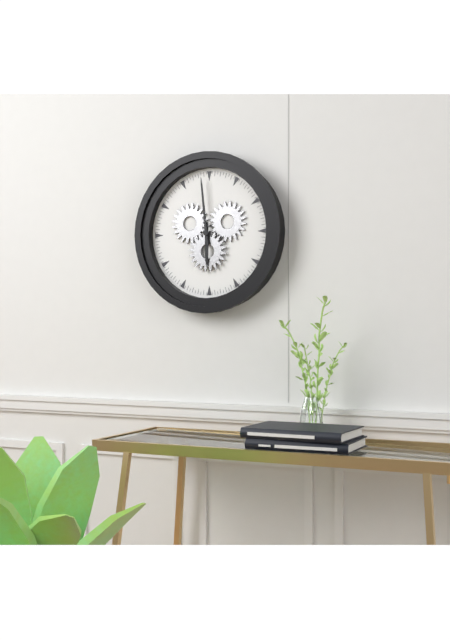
5 h 59 min
